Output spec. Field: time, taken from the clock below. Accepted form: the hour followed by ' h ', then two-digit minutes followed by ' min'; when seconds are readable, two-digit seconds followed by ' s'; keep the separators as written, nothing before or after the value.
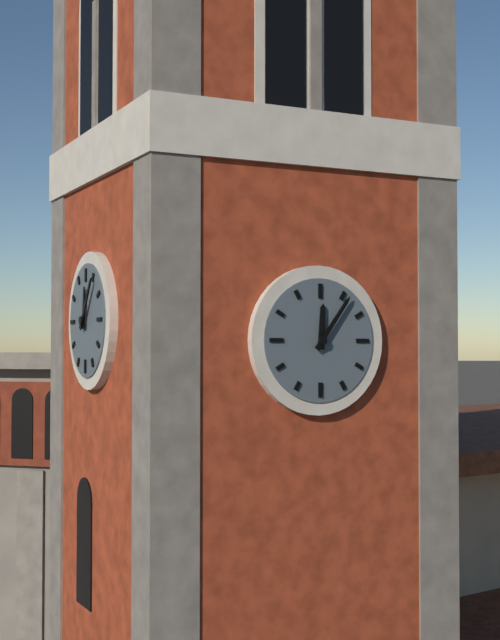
12 h 06 min
